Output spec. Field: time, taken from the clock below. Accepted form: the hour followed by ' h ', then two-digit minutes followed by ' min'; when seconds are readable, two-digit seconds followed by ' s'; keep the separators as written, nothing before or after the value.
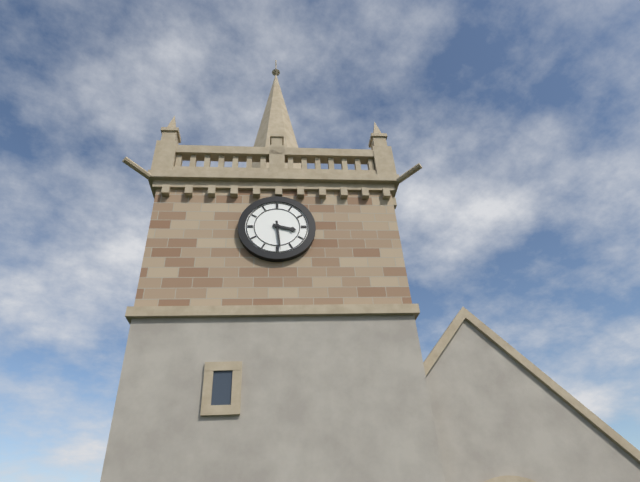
3 h 29 min
